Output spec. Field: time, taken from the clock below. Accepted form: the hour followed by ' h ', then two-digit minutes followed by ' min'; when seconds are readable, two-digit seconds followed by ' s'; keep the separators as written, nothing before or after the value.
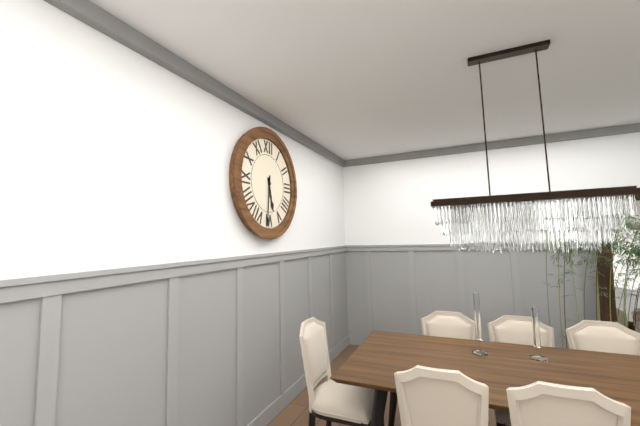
5 h 31 min
